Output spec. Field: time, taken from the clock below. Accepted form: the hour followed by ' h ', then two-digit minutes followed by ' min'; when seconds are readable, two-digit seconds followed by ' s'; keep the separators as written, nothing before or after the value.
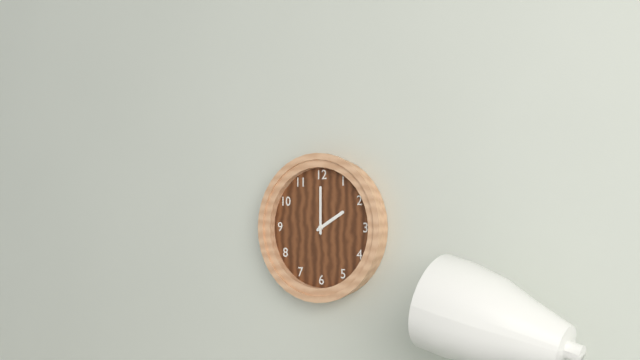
2 h 00 min
